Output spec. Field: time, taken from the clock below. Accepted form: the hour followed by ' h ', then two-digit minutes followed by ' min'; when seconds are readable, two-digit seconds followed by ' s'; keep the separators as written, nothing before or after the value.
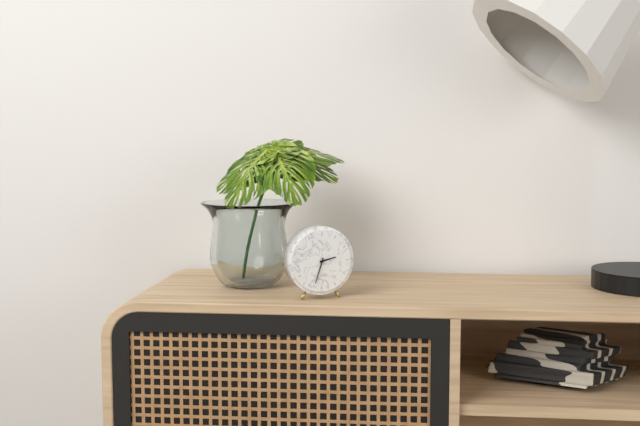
2 h 33 min
